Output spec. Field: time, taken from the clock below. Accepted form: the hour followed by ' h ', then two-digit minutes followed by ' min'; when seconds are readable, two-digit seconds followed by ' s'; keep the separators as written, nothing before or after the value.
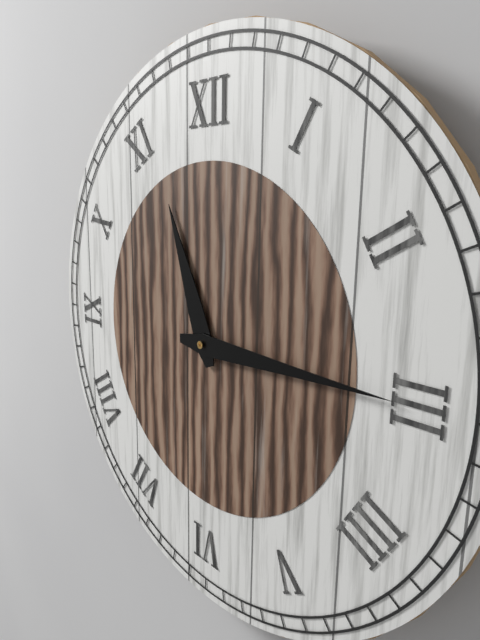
11 h 15 min
